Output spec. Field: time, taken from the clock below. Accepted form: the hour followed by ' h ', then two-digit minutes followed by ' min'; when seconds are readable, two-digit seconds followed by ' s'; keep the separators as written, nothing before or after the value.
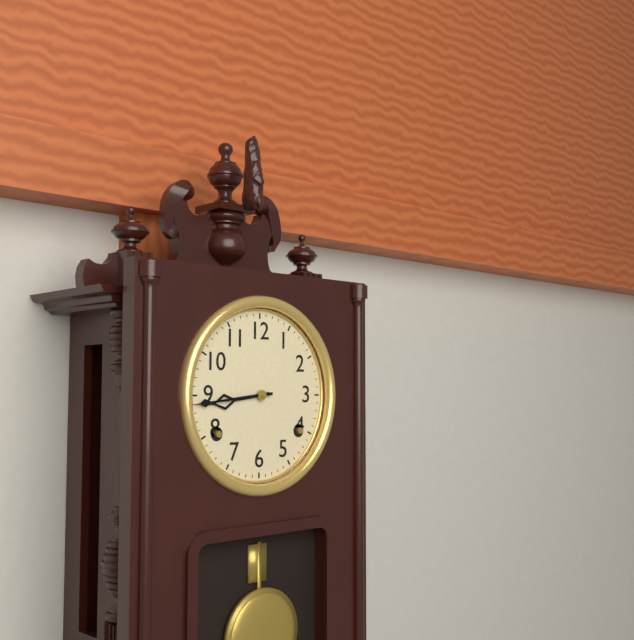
8 h 44 min
